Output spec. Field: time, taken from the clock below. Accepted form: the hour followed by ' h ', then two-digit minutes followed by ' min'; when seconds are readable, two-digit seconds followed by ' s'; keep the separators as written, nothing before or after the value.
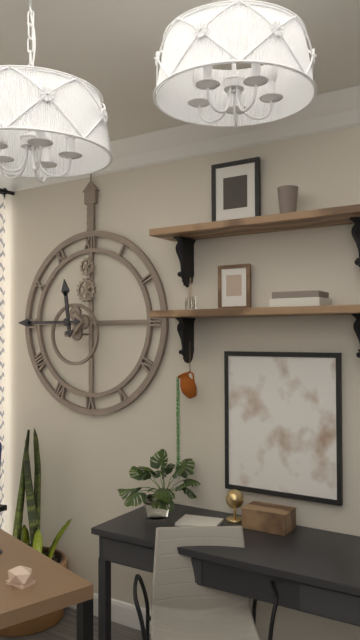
11 h 45 min
